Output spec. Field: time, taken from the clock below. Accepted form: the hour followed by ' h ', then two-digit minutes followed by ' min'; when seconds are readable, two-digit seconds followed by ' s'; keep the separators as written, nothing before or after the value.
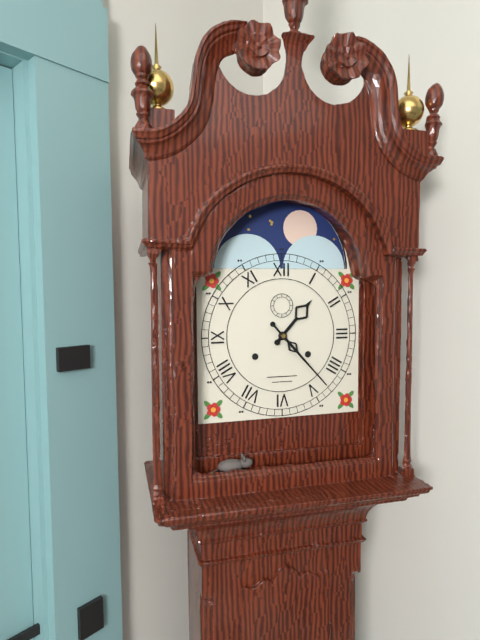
1 h 23 min
